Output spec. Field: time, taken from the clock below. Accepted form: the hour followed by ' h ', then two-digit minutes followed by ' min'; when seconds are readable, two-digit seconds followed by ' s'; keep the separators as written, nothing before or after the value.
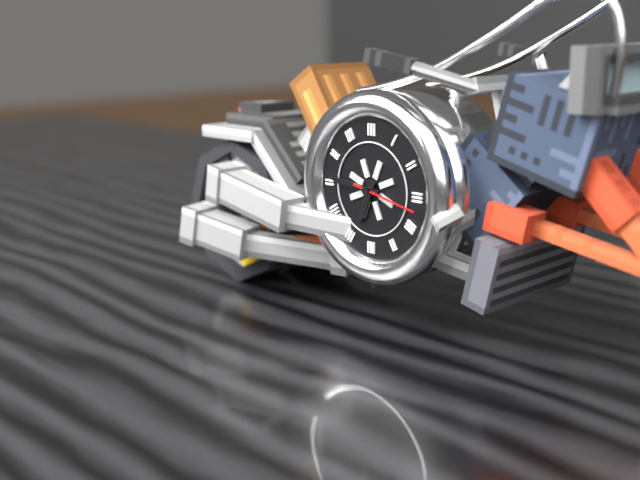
6 h 46 min 17 s
